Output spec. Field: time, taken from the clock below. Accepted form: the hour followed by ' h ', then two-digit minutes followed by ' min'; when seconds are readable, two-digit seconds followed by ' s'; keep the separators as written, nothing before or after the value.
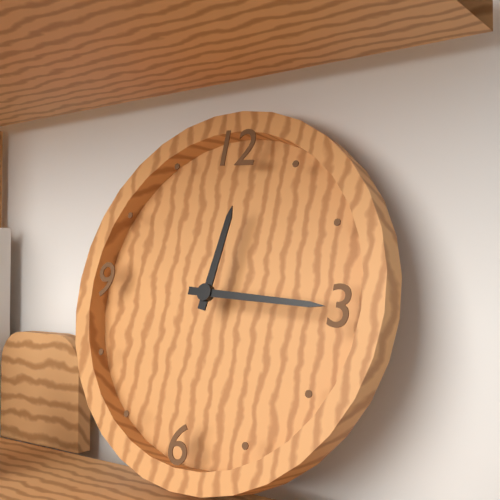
12 h 15 min
